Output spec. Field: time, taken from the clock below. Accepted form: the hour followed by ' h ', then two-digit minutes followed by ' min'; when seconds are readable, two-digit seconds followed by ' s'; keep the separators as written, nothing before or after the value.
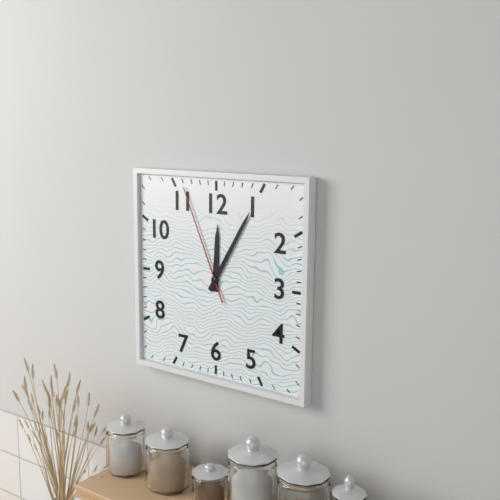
12 h 05 min 56 s
